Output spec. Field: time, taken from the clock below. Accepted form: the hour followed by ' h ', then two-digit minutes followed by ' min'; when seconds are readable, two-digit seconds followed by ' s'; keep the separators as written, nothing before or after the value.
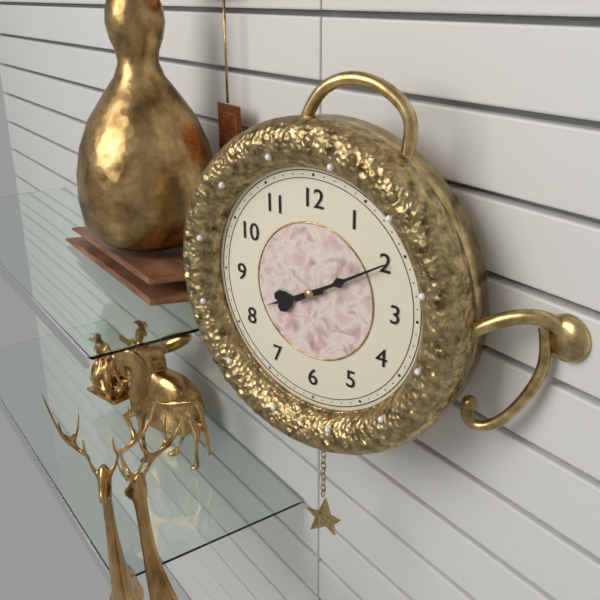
8 h 10 min
